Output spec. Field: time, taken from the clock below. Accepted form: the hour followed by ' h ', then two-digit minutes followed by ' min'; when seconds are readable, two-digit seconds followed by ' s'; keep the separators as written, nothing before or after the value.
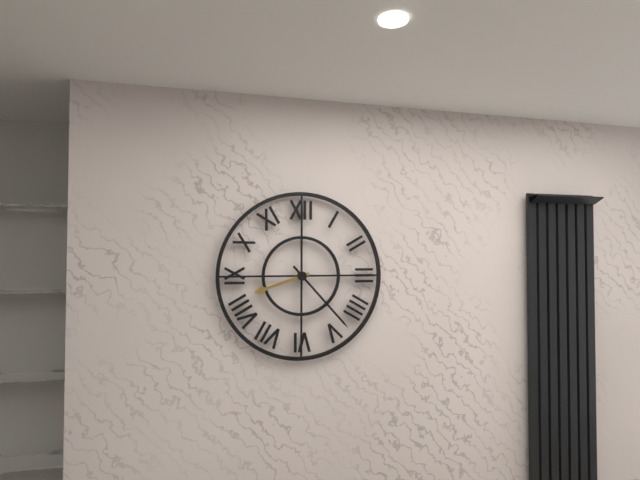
8 h 23 min
